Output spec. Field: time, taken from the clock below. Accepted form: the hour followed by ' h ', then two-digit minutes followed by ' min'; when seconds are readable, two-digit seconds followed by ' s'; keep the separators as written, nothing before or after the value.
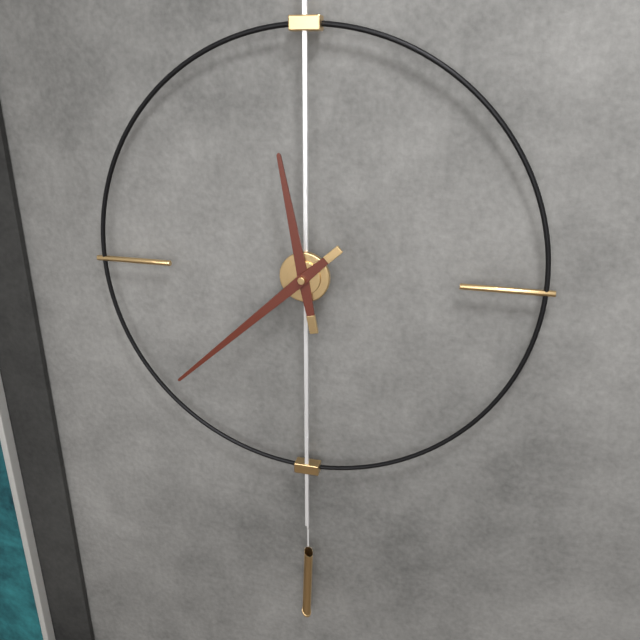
11 h 38 min
